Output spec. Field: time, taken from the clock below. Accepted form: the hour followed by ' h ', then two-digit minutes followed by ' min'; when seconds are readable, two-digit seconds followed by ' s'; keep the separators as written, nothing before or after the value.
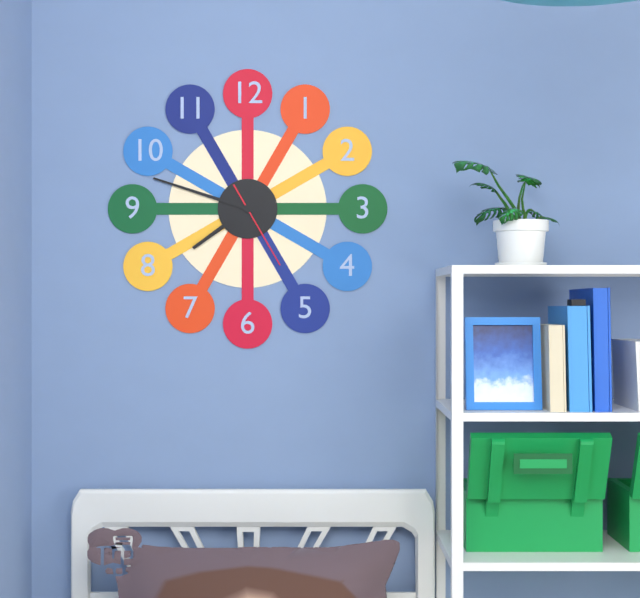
7 h 48 min 25 s
